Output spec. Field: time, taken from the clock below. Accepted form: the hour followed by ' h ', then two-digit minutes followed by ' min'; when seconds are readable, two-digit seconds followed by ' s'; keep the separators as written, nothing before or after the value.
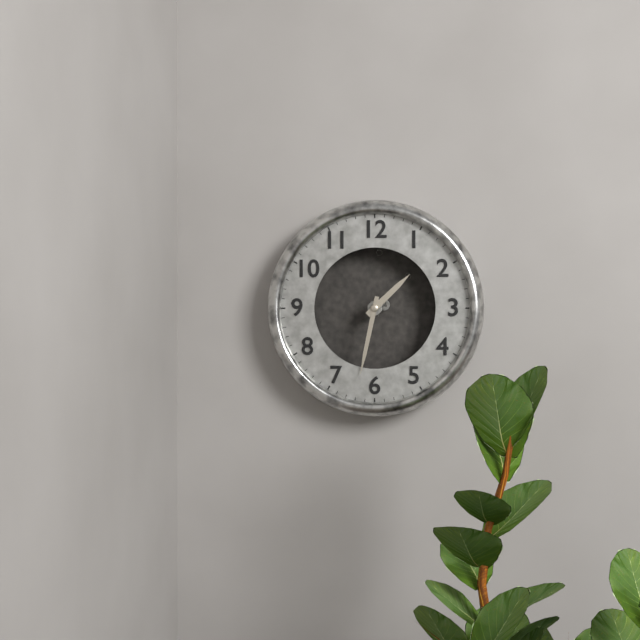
1 h 32 min
